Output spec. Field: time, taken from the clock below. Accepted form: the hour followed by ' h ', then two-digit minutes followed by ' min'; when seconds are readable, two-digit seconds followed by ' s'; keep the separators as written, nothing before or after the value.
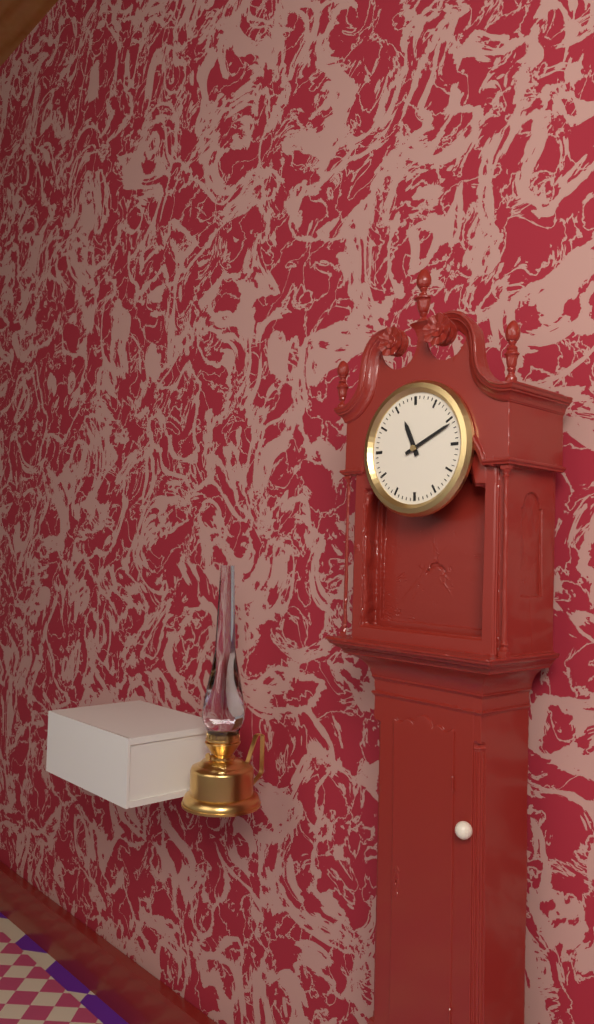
11 h 11 min
